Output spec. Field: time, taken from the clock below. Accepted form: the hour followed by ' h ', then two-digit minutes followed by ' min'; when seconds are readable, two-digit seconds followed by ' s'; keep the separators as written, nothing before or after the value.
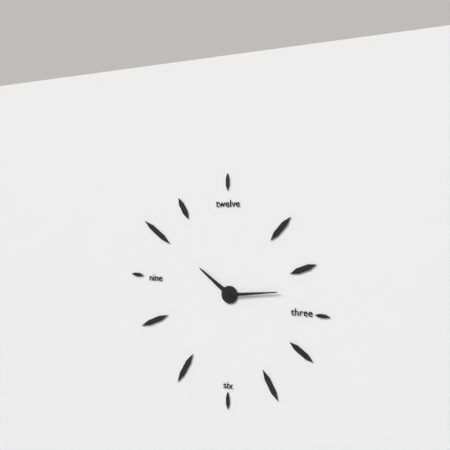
10 h 14 min
